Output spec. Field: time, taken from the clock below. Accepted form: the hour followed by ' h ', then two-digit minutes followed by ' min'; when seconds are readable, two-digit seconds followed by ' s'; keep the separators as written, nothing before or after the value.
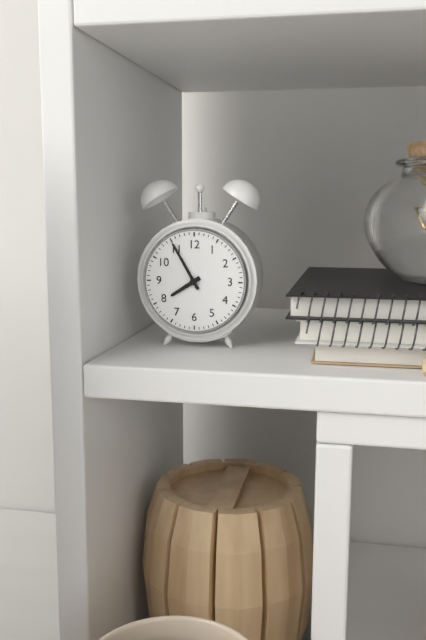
7 h 55 min
